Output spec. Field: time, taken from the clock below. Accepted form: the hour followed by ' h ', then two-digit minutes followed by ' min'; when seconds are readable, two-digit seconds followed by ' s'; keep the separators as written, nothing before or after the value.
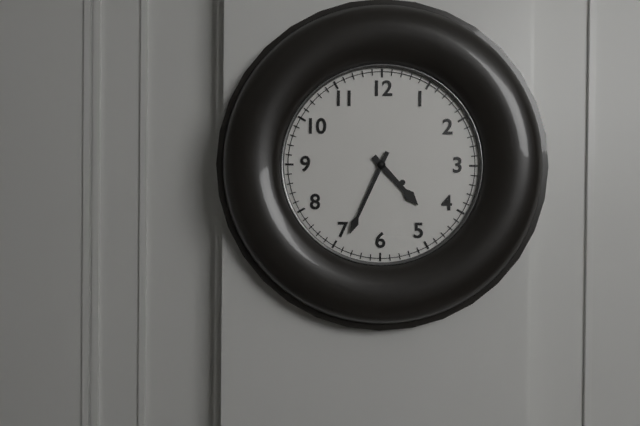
4 h 34 min
